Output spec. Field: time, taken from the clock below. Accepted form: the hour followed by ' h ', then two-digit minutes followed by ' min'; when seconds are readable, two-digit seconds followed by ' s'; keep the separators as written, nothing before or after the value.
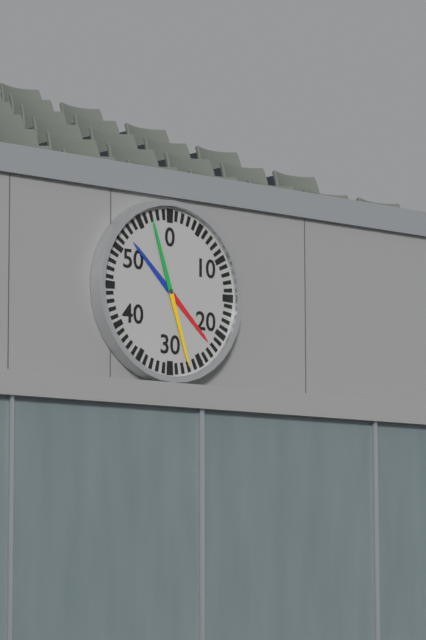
4 h 27 min
